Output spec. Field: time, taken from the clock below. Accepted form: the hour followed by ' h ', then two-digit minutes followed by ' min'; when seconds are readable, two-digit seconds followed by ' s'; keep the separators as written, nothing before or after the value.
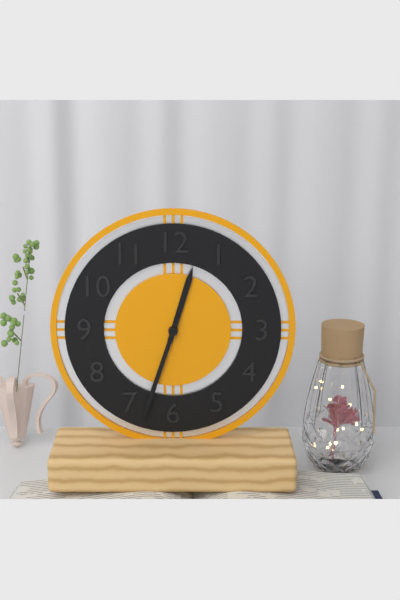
12 h 33 min
